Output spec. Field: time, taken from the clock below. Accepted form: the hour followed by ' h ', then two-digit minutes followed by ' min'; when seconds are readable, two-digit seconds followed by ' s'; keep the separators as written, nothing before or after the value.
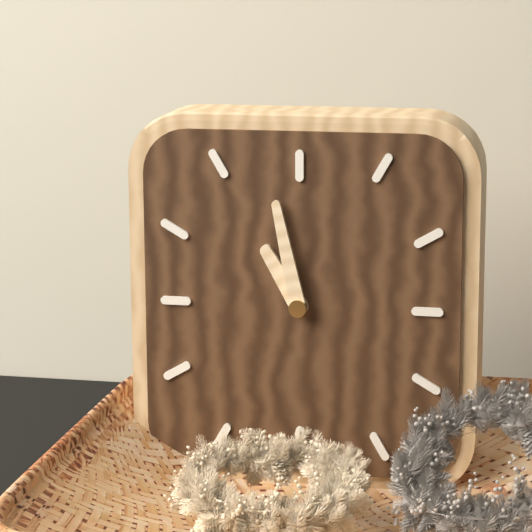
10 h 58 min
